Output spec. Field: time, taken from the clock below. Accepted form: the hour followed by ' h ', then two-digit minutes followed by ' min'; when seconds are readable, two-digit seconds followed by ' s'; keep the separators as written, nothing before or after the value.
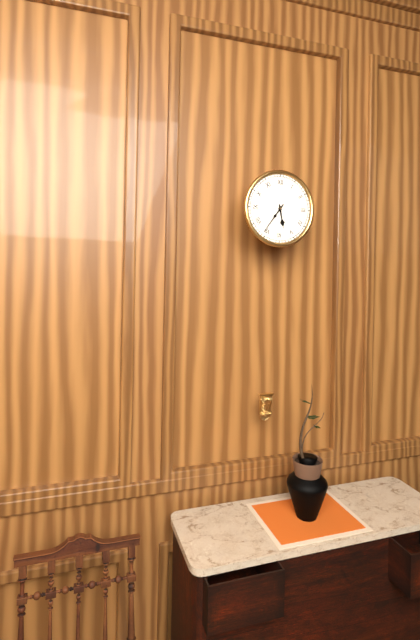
5 h 36 min
